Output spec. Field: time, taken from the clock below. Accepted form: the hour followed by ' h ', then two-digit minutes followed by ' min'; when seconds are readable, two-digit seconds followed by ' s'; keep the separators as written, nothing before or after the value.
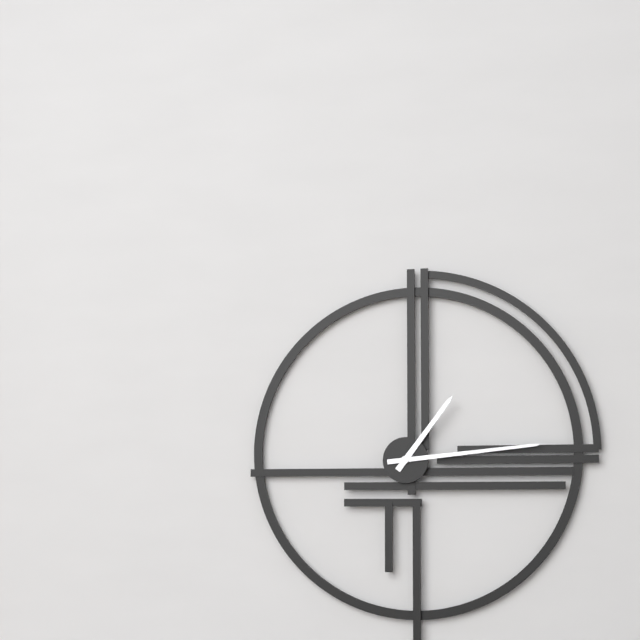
1 h 14 min
